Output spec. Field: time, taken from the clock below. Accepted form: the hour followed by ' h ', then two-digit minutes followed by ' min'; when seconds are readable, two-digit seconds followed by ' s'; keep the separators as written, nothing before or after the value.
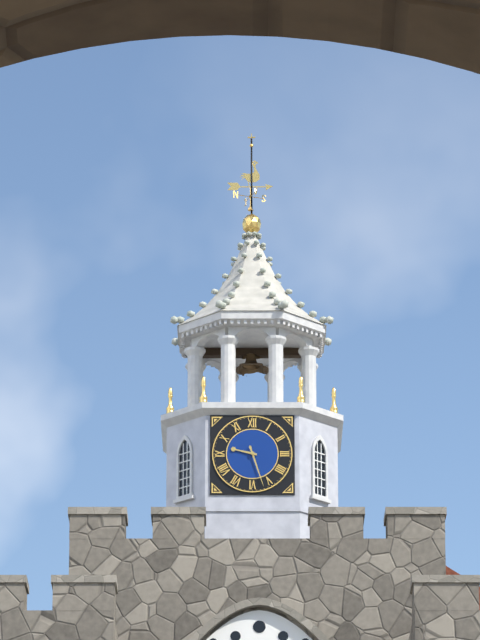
9 h 27 min
